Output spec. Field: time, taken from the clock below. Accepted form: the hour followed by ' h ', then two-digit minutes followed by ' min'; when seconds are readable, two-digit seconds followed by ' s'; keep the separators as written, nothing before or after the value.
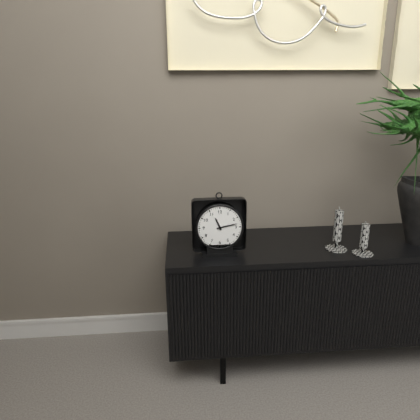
11 h 13 min
